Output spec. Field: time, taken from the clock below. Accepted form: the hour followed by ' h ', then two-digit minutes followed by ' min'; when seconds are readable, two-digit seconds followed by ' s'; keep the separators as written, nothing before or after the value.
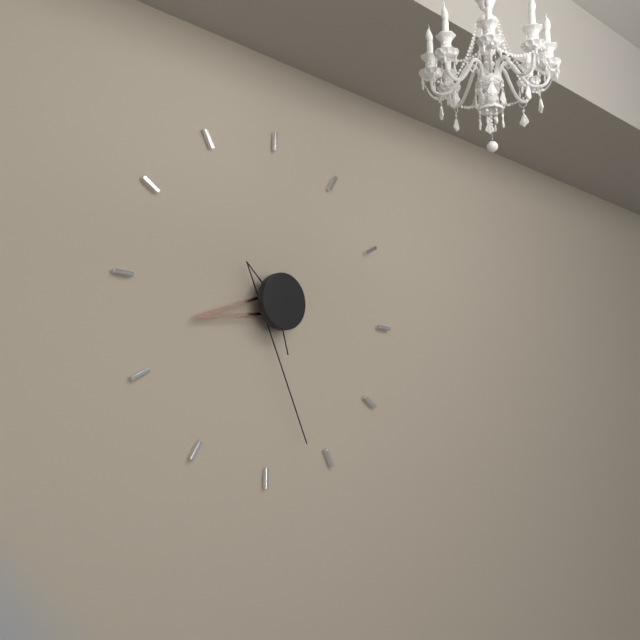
8 h 27 min
